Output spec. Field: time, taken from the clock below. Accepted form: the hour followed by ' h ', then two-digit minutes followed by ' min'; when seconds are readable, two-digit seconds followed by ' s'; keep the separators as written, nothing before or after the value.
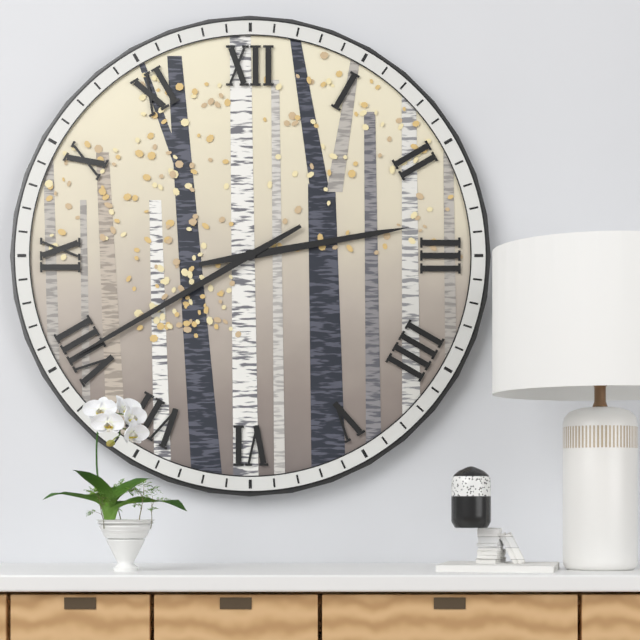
2 h 40 min
